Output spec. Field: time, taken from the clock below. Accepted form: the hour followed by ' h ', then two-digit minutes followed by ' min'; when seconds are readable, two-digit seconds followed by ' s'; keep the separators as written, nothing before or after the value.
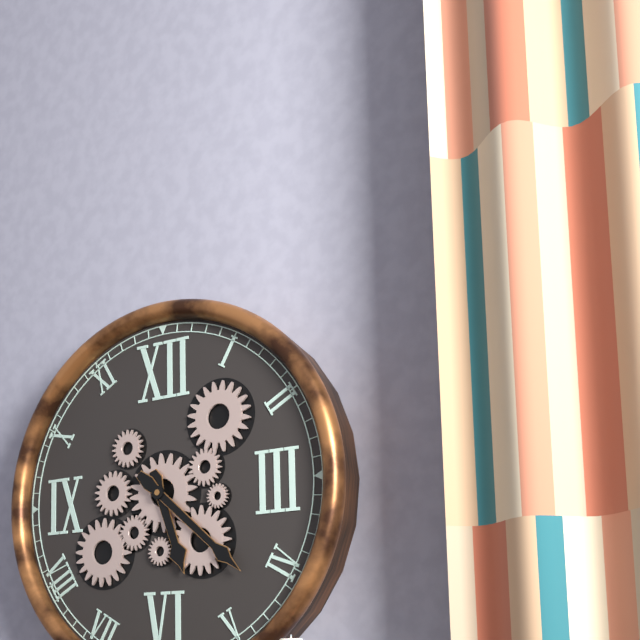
5 h 22 min
